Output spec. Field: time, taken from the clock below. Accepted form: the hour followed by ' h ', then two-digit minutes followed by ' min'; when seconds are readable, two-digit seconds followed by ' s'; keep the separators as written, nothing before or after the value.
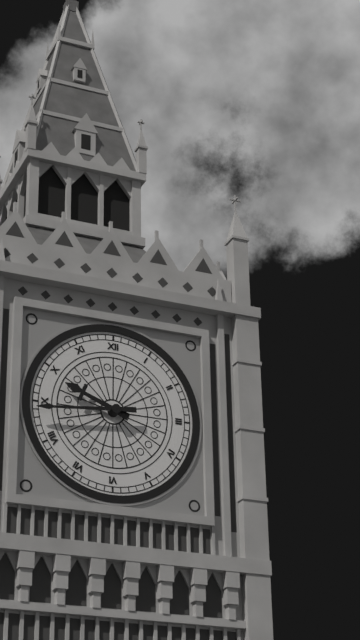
9 h 44 min
